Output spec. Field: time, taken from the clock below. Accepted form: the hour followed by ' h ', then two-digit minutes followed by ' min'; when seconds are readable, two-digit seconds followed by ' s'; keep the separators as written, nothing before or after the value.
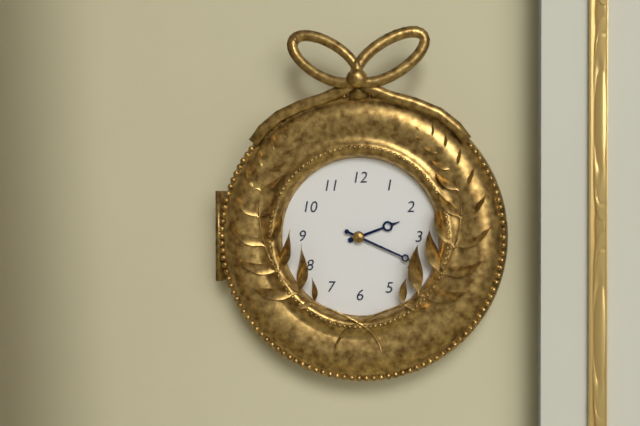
2 h 19 min
